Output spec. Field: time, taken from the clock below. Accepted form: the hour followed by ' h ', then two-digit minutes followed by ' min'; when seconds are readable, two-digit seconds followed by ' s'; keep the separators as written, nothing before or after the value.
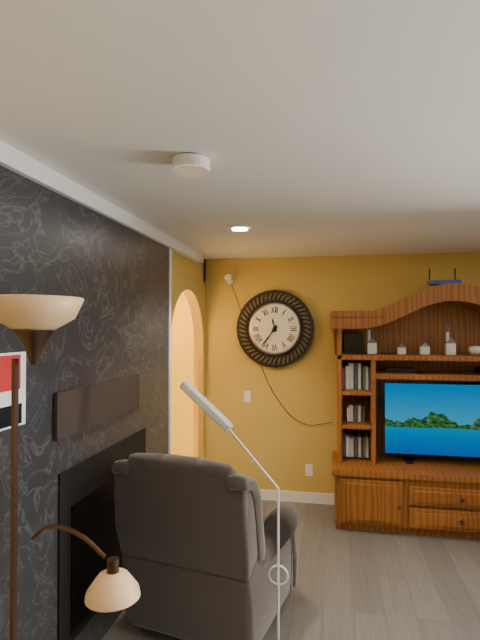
11 h 36 min
